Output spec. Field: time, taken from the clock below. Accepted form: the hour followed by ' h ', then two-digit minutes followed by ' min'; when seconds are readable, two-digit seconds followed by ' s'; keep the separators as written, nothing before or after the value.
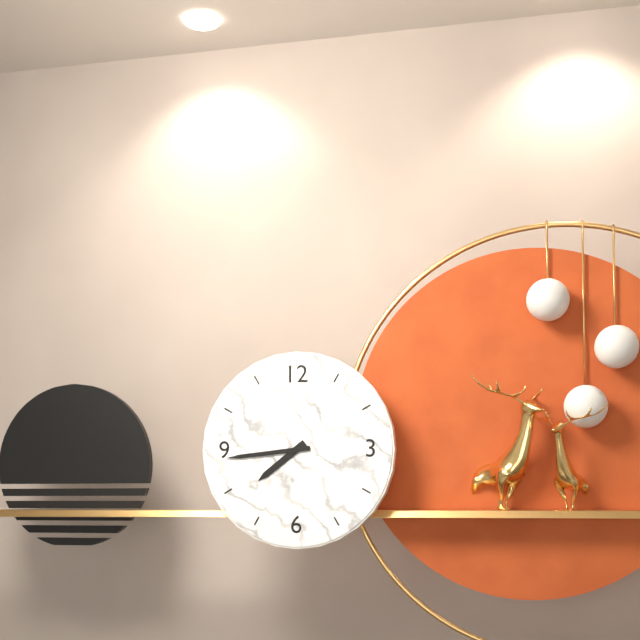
7 h 44 min
